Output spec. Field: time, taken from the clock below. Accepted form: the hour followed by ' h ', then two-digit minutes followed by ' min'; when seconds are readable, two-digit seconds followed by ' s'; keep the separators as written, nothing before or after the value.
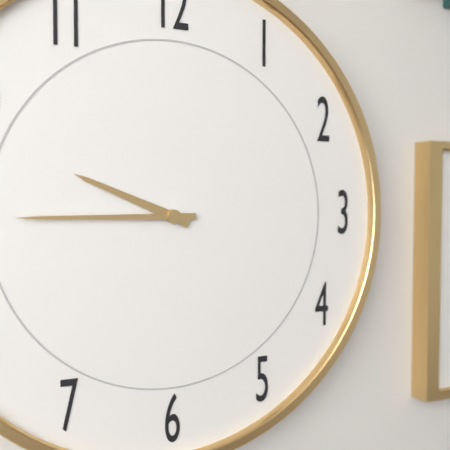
9 h 45 min
